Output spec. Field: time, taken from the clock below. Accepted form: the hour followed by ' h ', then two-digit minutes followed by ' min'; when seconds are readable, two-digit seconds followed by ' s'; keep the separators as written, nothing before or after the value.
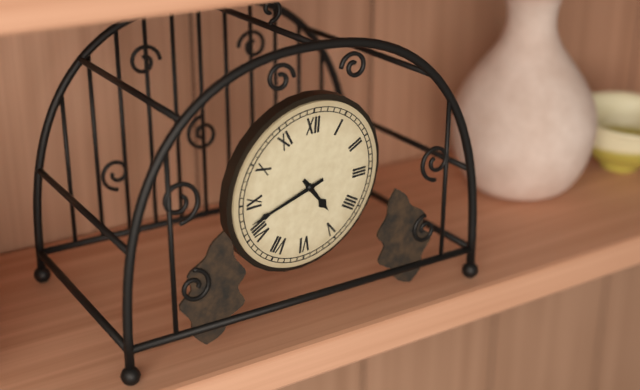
4 h 42 min
